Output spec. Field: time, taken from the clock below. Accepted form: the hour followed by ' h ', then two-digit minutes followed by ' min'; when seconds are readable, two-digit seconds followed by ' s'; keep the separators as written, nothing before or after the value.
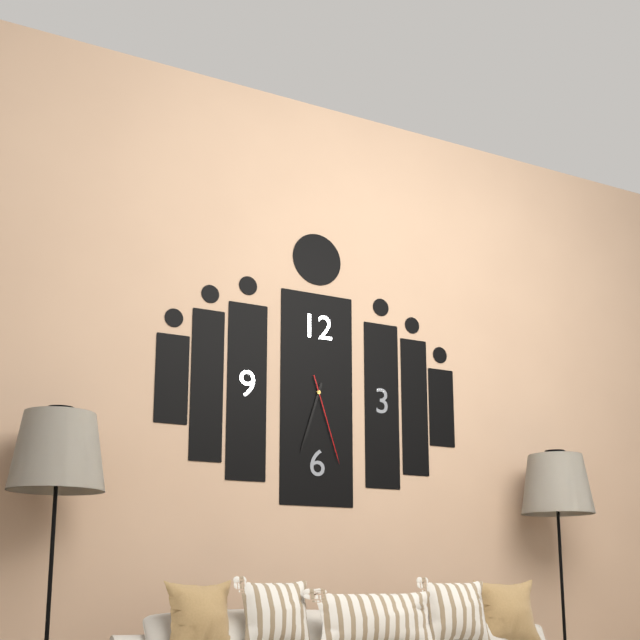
6 h 33 min 27 s
